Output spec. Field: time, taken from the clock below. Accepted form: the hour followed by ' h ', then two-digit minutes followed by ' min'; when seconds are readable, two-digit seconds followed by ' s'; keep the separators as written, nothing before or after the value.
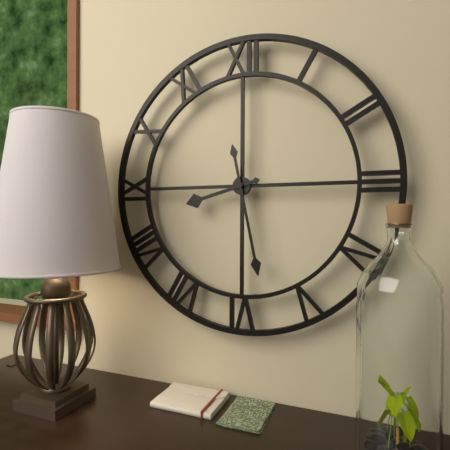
8 h 28 min
